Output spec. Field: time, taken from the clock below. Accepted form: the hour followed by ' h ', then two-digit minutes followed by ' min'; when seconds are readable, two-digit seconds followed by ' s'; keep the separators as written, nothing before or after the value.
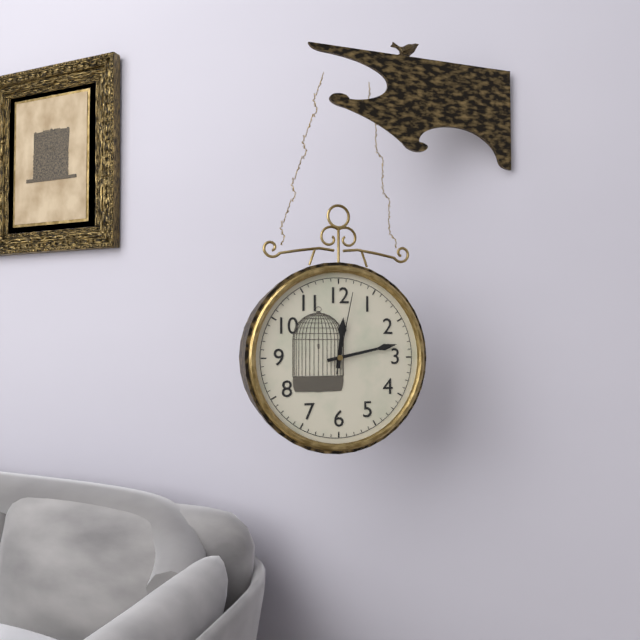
12 h 13 min 02 s
